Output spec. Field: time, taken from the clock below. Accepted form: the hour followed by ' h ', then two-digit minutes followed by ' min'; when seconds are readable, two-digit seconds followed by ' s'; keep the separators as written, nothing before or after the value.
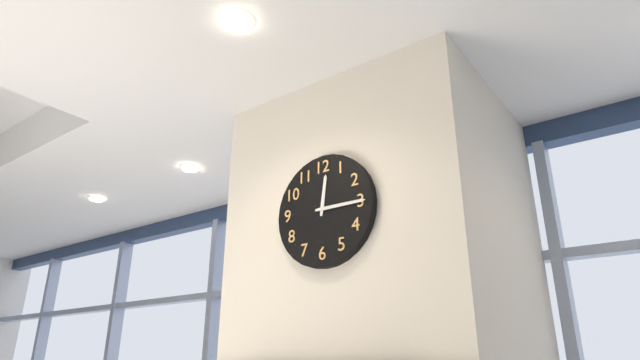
12 h 15 min
